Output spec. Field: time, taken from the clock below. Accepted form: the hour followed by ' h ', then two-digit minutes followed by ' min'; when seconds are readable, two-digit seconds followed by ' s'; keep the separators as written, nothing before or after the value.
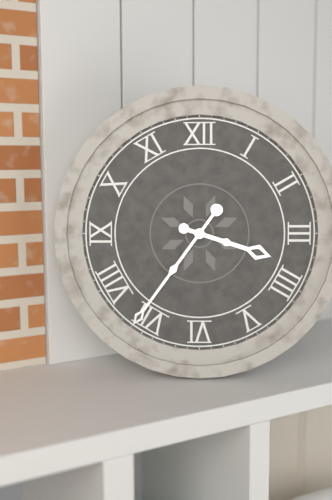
3 h 36 min
